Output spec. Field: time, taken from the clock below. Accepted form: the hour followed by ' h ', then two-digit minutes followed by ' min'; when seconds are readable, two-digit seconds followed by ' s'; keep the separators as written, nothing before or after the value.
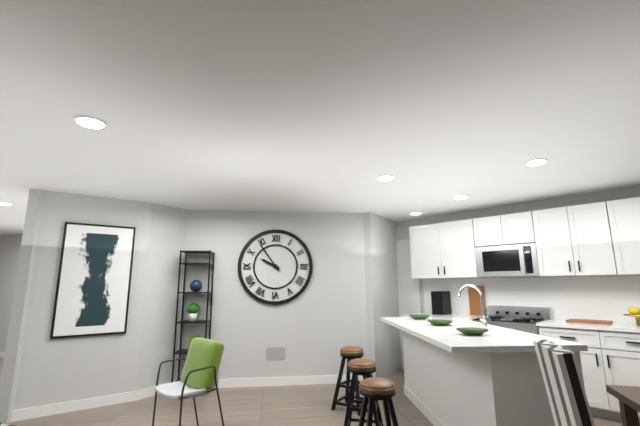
9 h 54 min
